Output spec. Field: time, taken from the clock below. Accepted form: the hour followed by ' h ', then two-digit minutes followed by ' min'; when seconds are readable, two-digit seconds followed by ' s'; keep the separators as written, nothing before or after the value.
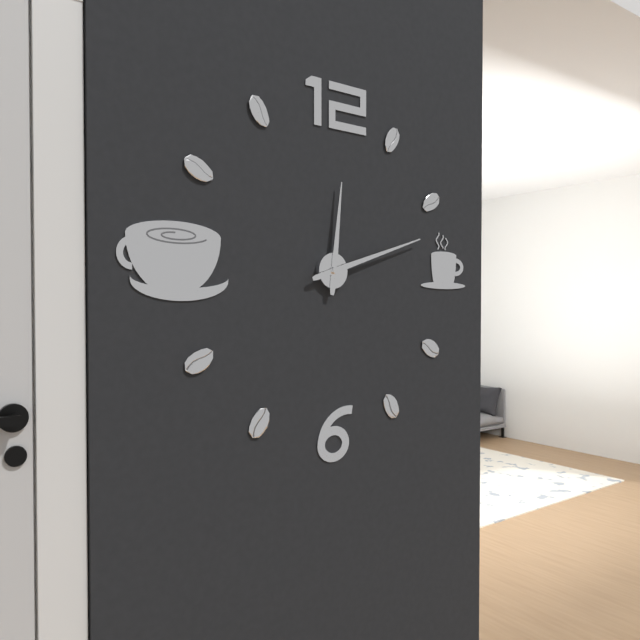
12 h 12 min
